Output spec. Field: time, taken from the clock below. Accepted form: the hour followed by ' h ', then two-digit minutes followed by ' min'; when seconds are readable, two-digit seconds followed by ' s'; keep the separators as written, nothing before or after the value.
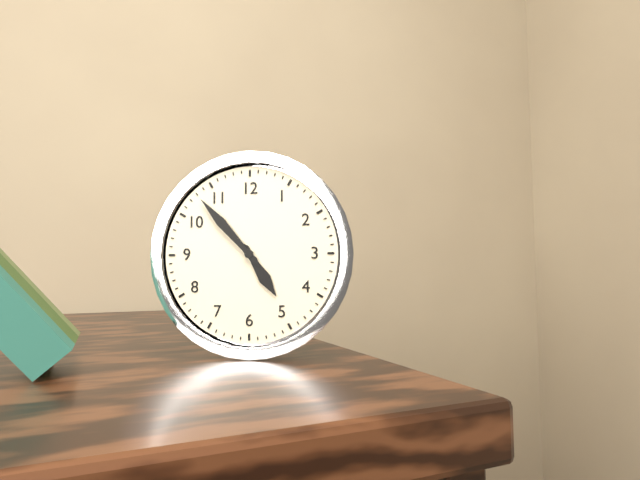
4 h 53 min
